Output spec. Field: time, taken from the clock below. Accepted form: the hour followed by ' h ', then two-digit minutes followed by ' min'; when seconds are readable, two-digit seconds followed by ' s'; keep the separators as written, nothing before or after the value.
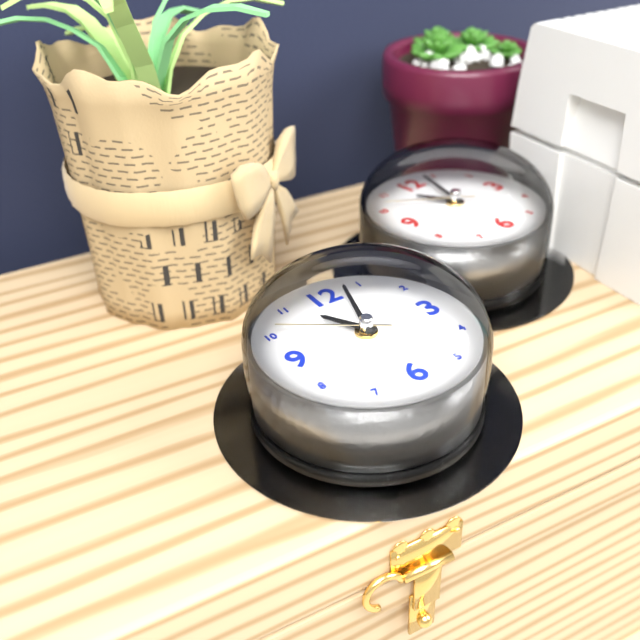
11 h 03 min 51 s
